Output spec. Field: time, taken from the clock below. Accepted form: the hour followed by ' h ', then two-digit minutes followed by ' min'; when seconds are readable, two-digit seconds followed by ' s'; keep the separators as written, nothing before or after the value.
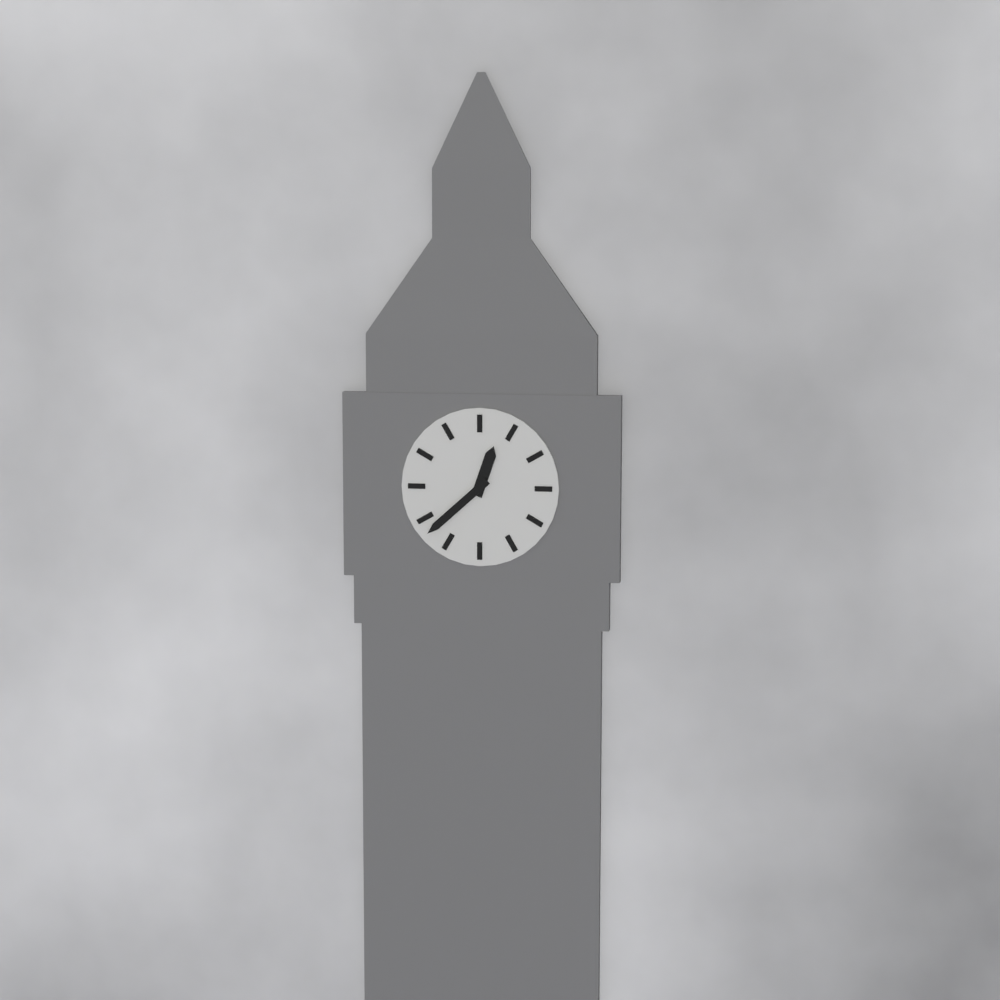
12 h 38 min
